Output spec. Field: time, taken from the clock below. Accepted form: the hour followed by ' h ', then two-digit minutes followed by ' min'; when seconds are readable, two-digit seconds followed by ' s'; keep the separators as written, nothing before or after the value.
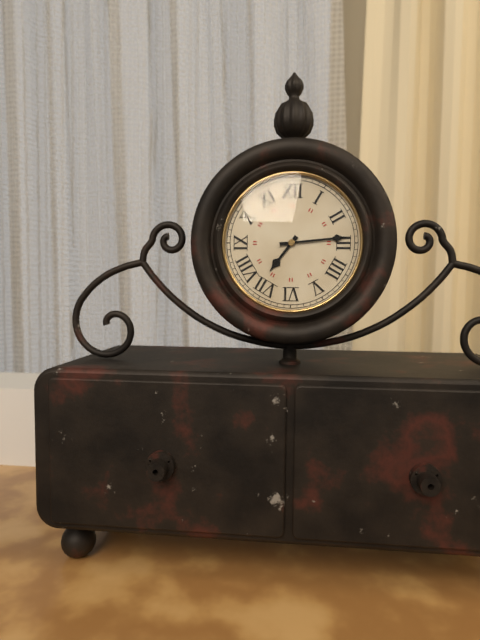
7 h 14 min
